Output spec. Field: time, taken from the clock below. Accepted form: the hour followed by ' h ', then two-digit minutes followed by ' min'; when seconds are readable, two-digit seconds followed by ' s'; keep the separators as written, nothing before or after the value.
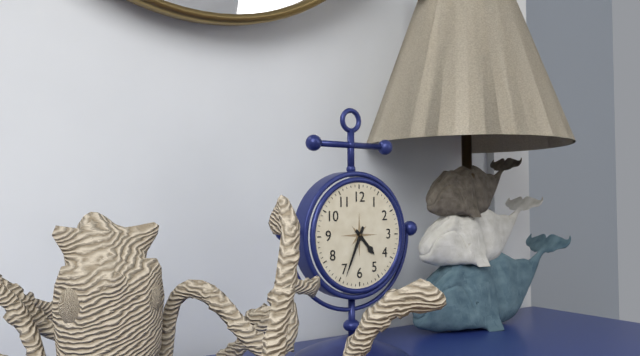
4 h 34 min
